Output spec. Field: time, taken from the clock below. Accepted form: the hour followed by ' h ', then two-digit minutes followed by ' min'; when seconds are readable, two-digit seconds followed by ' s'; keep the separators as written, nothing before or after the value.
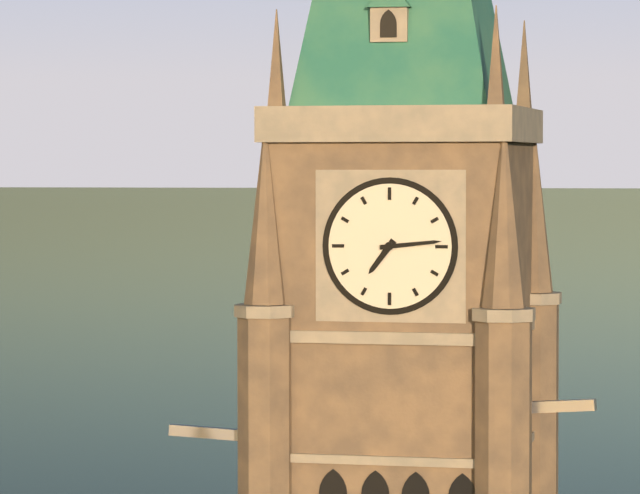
7 h 14 min
